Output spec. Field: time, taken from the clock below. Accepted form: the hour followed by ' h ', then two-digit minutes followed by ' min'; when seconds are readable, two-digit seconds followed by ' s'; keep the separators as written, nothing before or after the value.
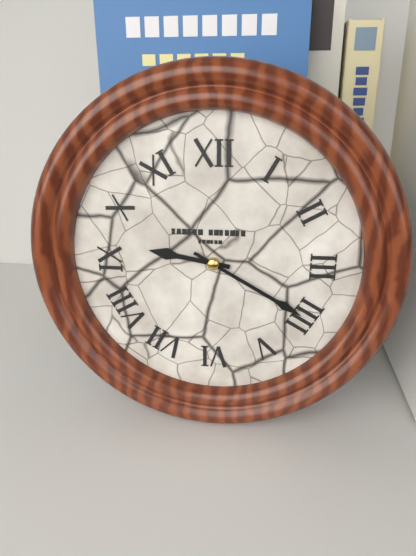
9 h 20 min
